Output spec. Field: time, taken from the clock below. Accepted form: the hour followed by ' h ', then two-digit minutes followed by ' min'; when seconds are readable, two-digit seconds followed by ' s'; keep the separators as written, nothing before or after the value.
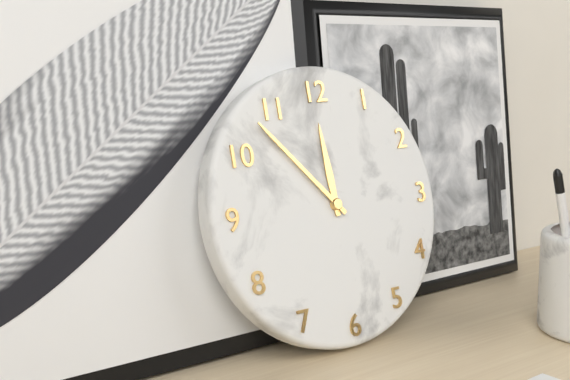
11 h 53 min
